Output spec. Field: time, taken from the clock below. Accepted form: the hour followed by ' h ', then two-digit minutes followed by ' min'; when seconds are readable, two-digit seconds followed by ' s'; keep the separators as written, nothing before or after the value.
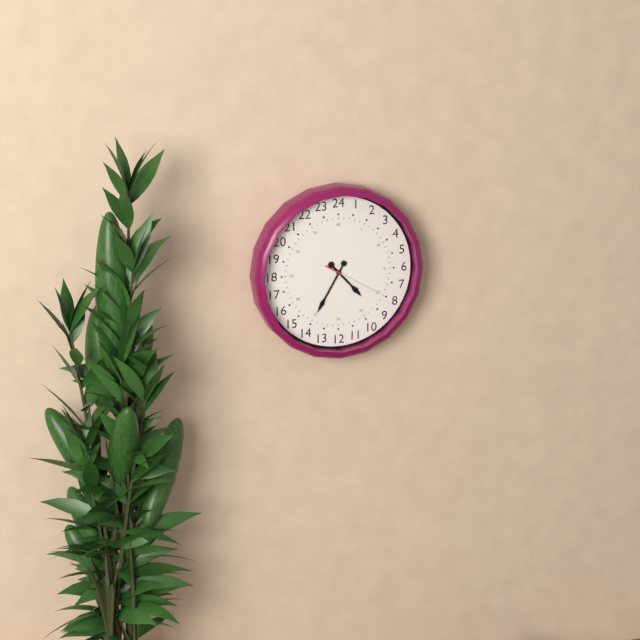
4 h 35 min 20 s
